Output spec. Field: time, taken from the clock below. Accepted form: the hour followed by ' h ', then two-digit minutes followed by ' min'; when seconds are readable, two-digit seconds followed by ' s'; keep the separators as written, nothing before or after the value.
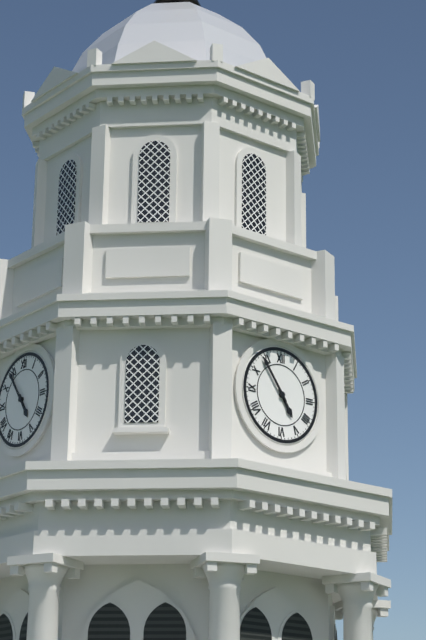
4 h 54 min
